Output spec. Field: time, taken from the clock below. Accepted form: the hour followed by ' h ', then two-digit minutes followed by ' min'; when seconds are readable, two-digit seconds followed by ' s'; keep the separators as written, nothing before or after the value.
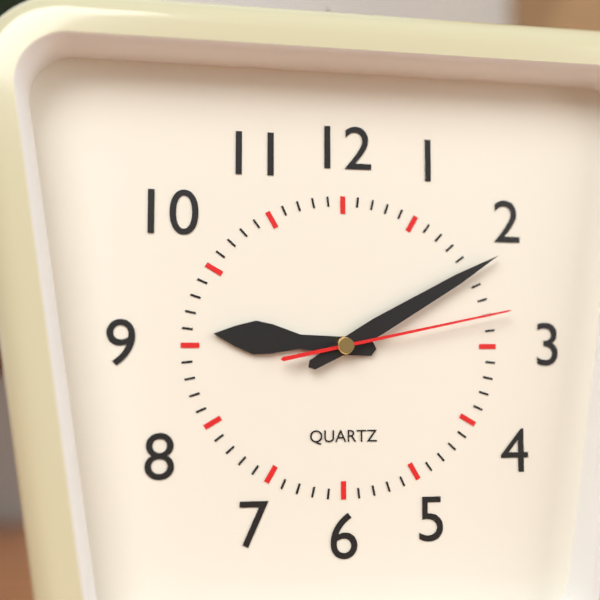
9 h 10 min 13 s
